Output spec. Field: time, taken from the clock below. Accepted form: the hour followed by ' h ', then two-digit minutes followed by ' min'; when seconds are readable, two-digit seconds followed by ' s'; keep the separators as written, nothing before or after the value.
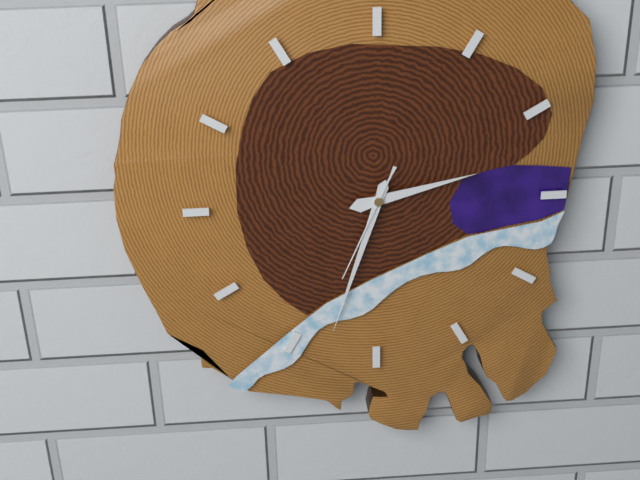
2 h 33 min 34 s
